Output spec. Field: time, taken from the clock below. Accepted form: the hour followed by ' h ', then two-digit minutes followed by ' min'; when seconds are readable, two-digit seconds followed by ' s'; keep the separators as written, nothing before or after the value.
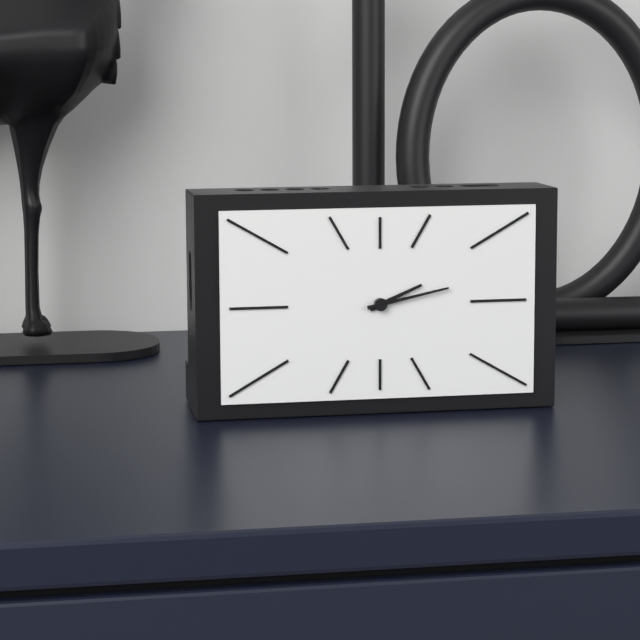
2 h 13 min
